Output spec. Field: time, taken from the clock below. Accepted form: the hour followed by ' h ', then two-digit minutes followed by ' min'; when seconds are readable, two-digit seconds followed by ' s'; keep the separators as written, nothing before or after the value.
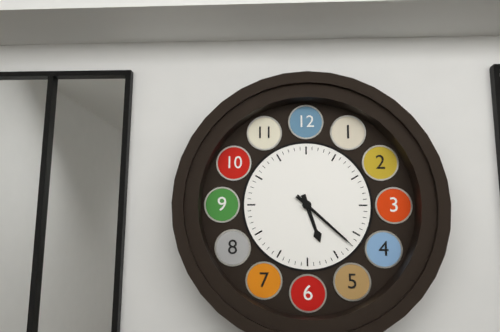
5 h 22 min
